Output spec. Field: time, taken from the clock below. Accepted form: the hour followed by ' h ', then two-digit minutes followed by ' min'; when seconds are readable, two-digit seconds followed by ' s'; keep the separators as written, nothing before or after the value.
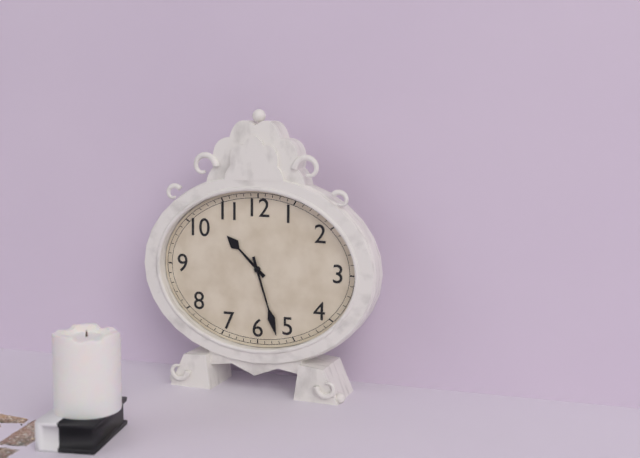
10 h 27 min
